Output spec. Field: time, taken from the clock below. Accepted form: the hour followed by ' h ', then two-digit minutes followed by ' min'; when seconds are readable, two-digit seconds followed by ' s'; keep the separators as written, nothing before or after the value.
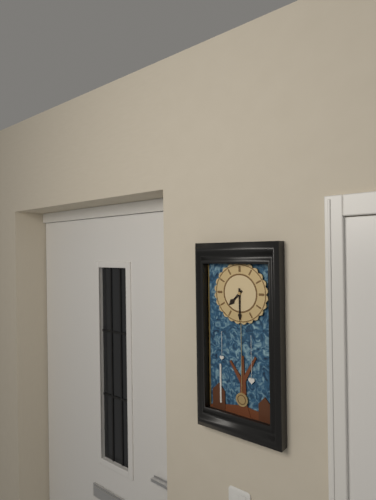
7 h 30 min
